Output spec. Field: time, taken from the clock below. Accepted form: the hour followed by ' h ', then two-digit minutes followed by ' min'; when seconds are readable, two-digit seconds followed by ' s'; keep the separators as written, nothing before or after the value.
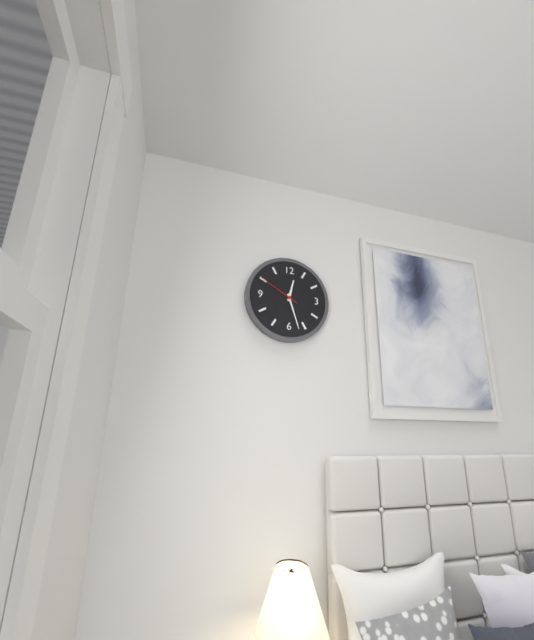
12 h 27 min
